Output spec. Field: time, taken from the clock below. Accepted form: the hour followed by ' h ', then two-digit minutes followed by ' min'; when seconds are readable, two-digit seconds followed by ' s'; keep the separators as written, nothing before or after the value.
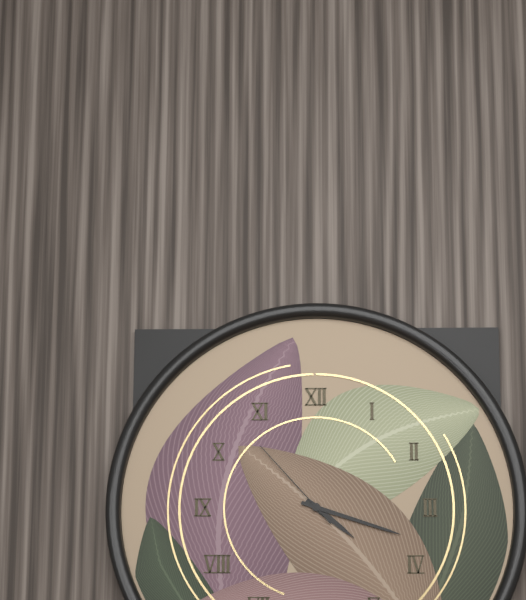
4 h 18 min 53 s
